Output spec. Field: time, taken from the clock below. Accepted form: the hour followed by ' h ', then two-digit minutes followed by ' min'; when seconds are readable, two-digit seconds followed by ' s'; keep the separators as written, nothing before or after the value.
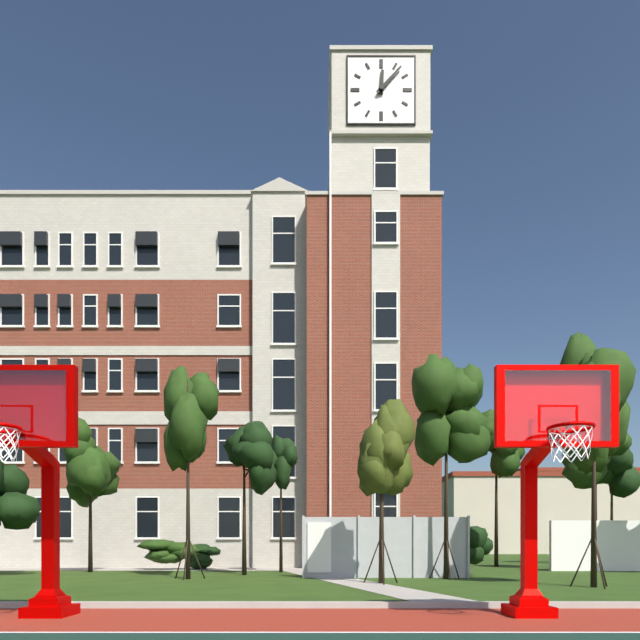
12 h 07 min
